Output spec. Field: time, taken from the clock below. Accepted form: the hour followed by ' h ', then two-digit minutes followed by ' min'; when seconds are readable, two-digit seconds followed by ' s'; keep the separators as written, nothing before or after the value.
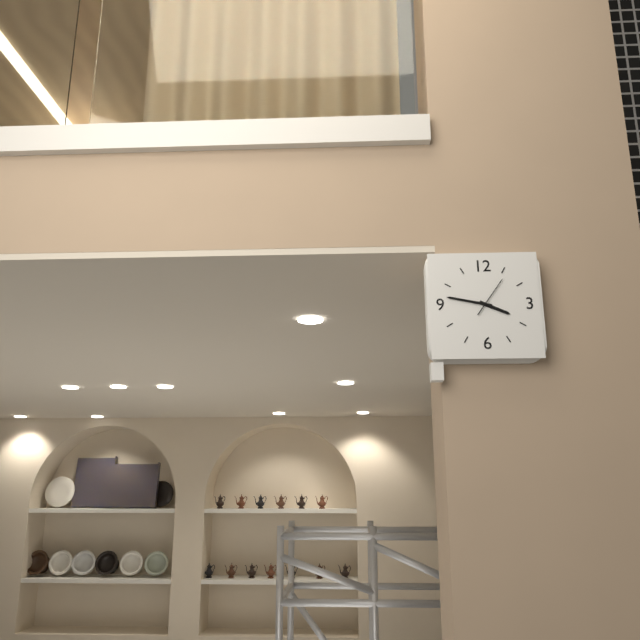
3 h 47 min
